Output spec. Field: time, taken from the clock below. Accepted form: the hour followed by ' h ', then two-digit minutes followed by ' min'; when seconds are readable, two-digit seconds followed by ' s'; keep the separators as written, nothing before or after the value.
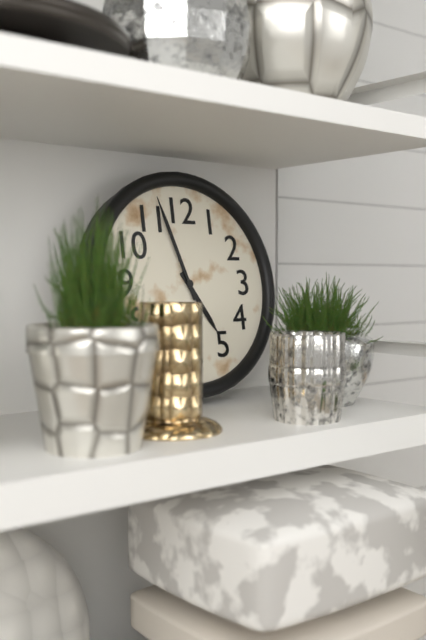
4 h 57 min
